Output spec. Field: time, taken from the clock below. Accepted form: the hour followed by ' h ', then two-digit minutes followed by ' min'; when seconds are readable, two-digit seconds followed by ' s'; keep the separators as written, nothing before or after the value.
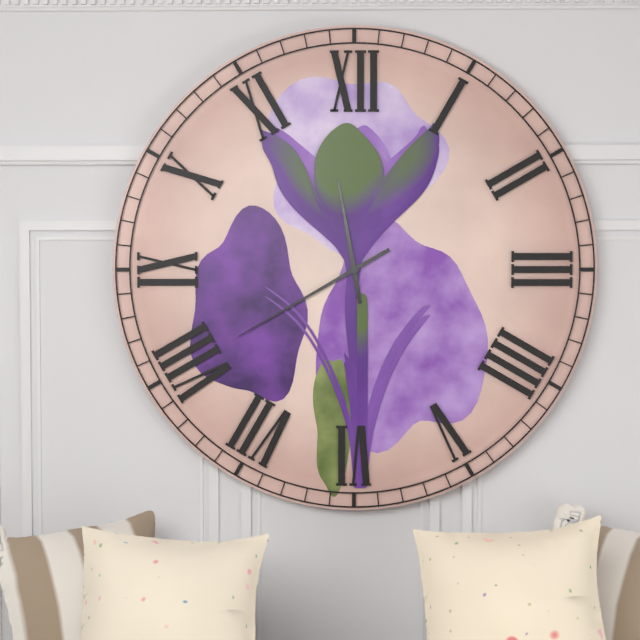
11 h 40 min
